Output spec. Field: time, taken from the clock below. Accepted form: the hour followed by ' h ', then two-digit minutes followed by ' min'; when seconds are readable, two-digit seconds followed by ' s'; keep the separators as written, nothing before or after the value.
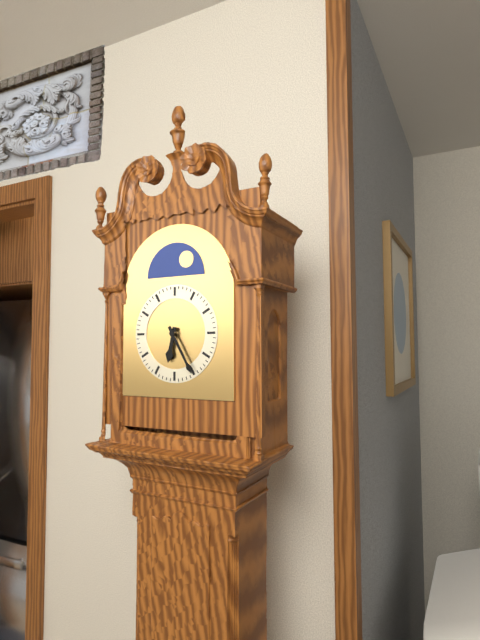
6 h 25 min
